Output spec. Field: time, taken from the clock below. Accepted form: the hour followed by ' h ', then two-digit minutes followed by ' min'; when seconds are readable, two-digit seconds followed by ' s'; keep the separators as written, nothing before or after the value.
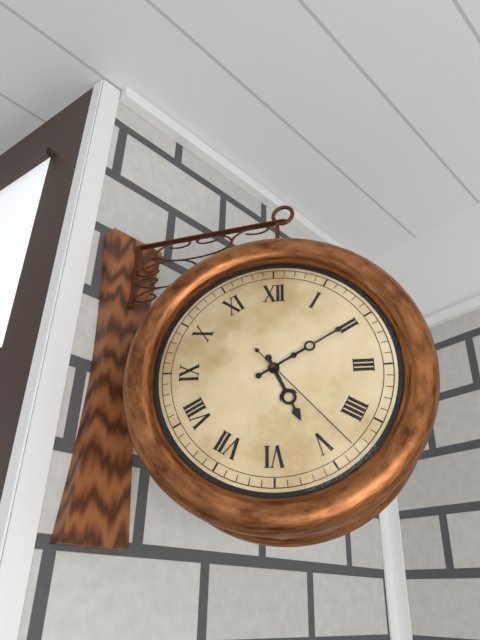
5 h 10 min 23 s
